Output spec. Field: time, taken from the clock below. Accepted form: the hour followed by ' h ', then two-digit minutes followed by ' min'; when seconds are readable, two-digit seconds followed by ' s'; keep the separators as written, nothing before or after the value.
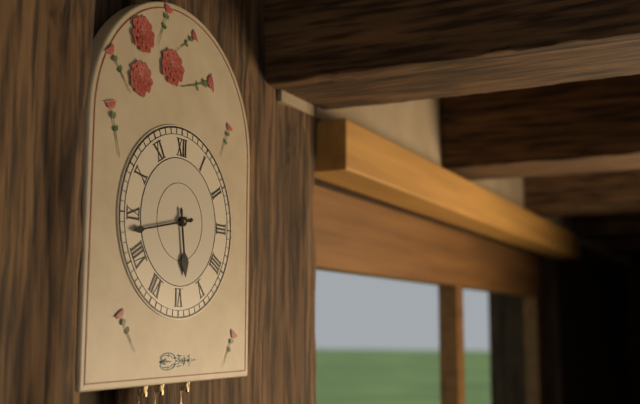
5 h 43 min
